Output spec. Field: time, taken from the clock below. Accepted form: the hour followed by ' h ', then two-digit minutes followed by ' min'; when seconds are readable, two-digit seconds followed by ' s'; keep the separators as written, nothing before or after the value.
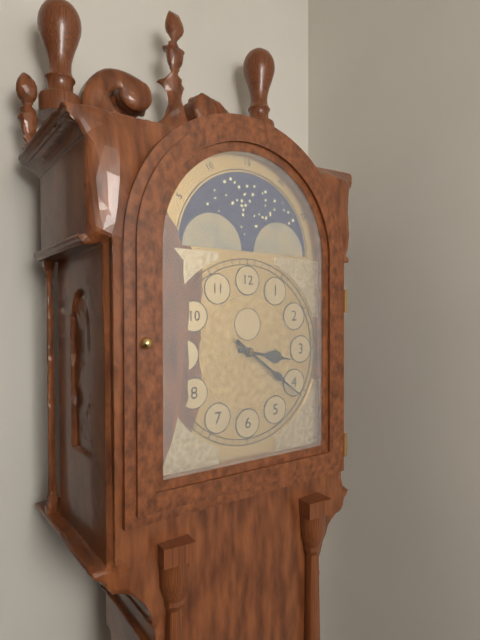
3 h 21 min
